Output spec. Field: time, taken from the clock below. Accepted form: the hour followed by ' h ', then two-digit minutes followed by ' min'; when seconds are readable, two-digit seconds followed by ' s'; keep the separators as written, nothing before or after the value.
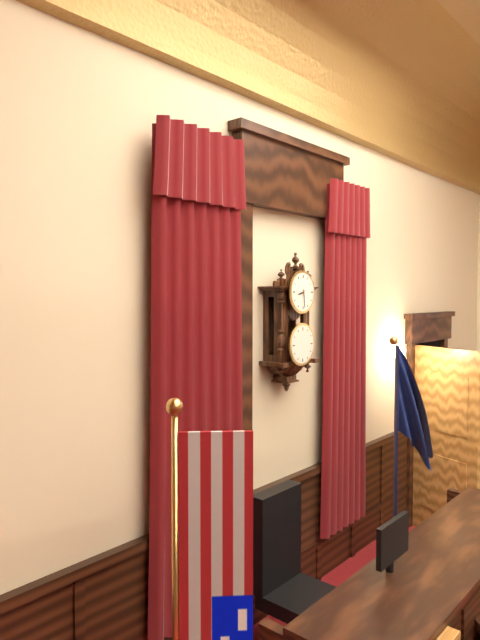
8 h 29 min
